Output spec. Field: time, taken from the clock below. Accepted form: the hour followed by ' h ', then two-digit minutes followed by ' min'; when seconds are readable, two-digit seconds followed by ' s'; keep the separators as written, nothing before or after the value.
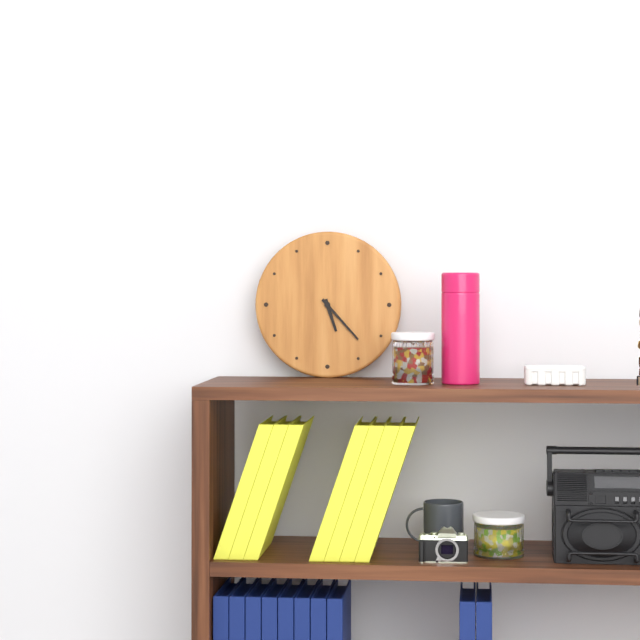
5 h 23 min
